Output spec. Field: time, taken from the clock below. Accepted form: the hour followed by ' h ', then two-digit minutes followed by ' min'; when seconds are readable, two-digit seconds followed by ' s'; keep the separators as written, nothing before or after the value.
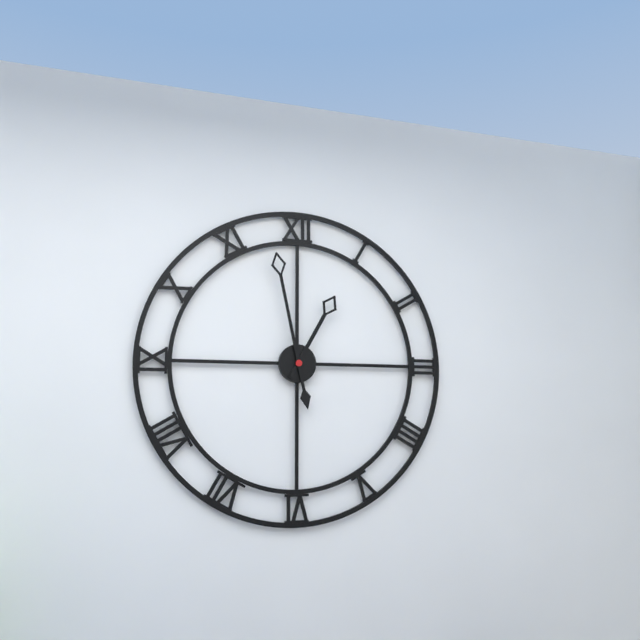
12 h 58 min
